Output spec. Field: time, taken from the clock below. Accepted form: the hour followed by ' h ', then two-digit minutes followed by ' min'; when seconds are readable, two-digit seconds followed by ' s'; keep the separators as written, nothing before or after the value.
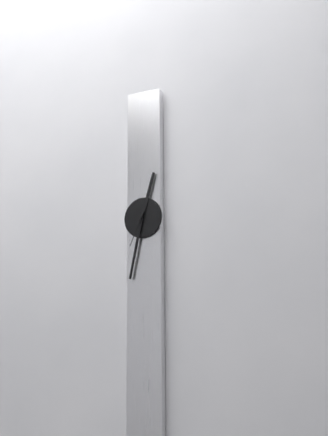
12 h 32 min
